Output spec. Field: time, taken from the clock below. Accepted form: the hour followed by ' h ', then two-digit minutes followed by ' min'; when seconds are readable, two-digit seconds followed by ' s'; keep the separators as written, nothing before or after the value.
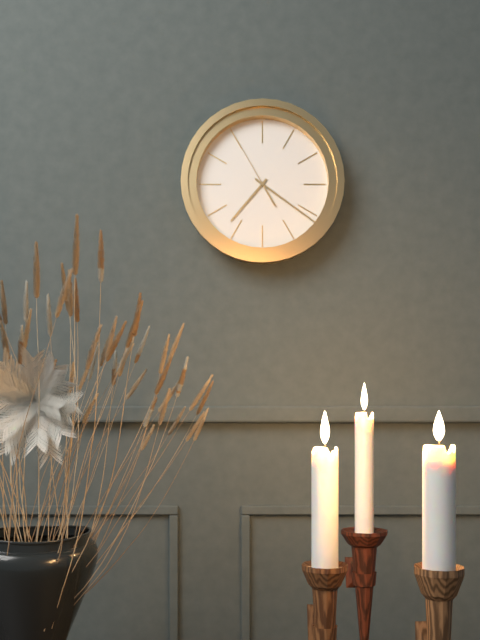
7 h 21 min 55 s
